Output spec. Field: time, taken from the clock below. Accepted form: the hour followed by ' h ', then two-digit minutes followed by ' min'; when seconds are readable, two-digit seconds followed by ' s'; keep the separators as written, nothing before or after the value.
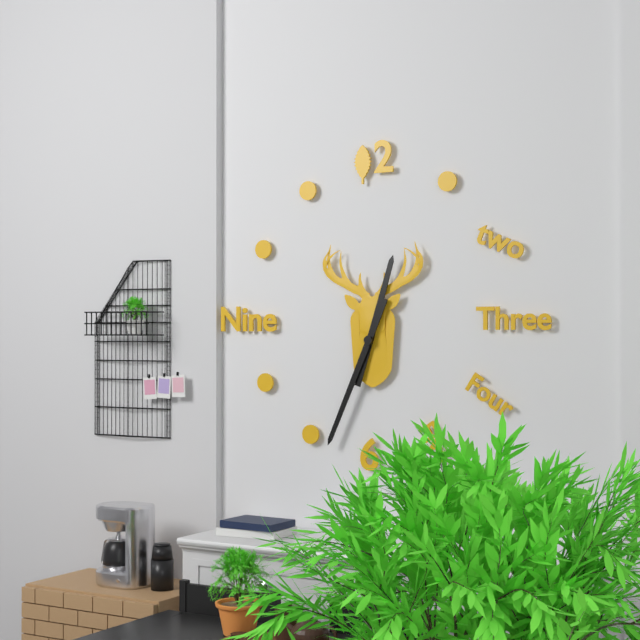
12 h 34 min
